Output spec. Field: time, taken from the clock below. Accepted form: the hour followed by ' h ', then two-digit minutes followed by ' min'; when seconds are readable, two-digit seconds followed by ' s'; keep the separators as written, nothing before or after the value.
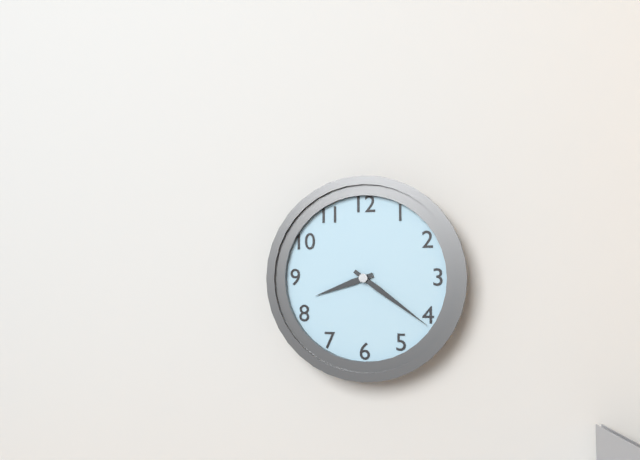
8 h 21 min
